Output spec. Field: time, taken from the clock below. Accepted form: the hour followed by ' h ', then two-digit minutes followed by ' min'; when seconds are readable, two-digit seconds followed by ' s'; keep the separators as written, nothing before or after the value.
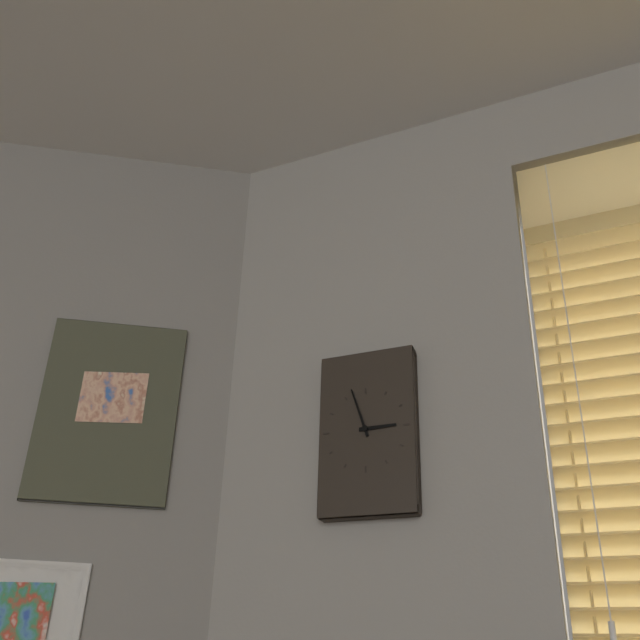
2 h 57 min
